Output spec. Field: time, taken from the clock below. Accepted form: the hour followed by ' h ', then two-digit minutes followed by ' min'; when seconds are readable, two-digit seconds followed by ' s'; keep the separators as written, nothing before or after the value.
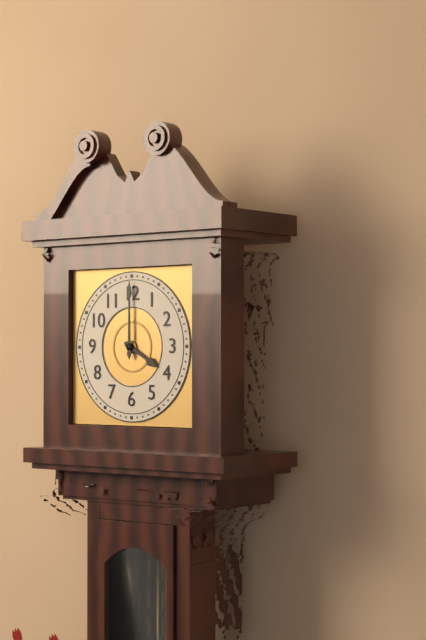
4 h 00 min
